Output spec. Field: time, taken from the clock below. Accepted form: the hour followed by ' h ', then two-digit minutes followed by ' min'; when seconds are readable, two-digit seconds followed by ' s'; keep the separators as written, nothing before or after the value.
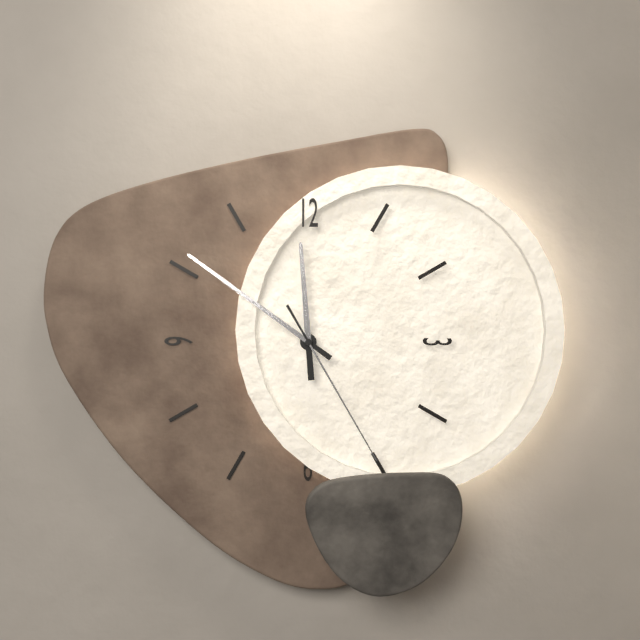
11 h 51 min 25 s
